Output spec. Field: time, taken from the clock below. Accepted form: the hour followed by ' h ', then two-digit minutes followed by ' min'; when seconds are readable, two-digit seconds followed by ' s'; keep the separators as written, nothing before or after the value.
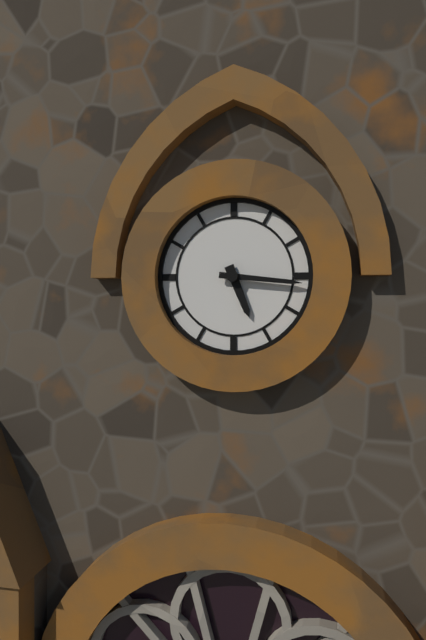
5 h 16 min
